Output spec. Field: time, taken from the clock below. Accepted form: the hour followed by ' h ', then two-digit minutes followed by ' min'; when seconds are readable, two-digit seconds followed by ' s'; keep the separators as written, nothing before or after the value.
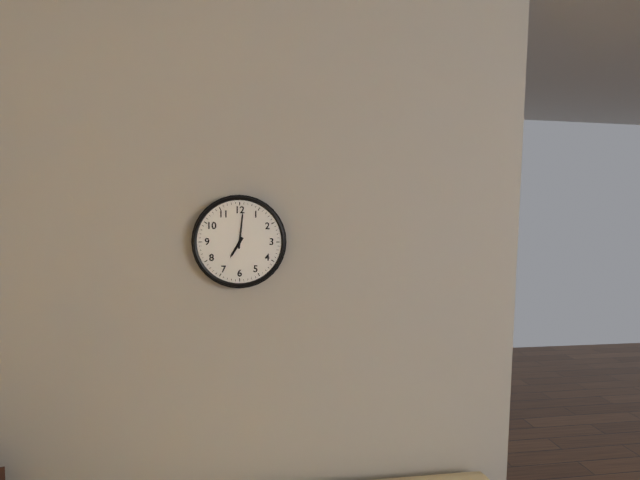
7 h 01 min
